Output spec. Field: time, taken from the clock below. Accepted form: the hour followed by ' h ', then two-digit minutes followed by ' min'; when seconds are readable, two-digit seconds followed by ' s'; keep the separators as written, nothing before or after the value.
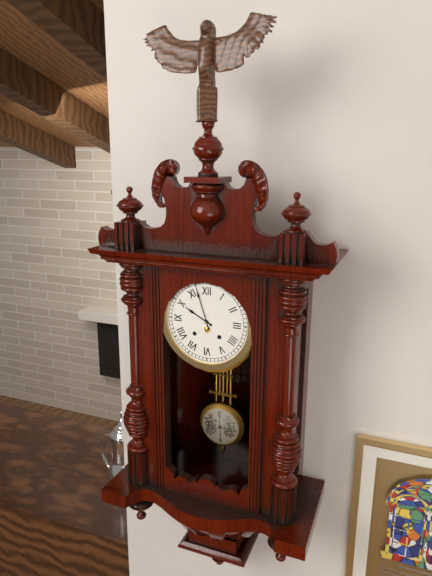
9 h 57 min
